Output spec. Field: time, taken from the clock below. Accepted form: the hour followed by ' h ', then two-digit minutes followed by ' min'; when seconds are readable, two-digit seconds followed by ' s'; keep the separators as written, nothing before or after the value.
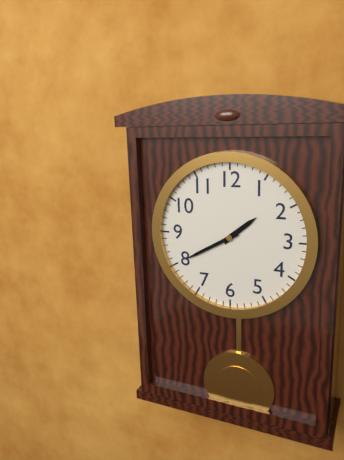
1 h 40 min
